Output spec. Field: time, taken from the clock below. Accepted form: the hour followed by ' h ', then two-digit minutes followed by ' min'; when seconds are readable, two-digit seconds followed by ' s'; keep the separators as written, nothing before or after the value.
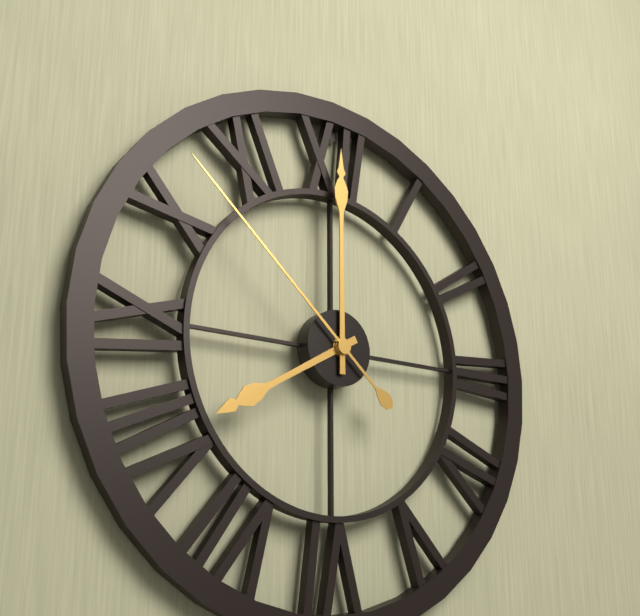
8 h 00 min 52 s
